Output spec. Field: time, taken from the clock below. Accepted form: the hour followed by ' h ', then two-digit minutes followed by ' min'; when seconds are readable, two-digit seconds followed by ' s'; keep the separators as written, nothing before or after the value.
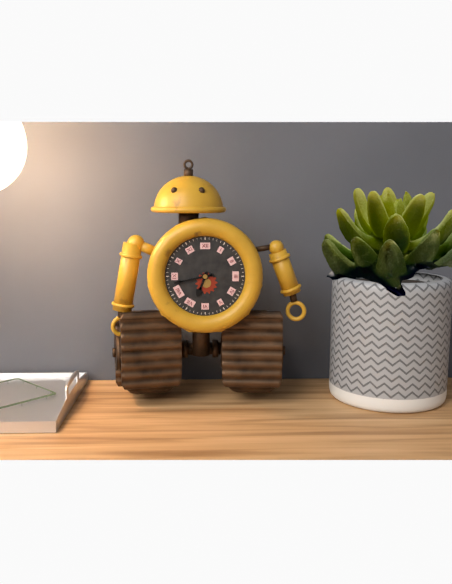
6 h 43 min
